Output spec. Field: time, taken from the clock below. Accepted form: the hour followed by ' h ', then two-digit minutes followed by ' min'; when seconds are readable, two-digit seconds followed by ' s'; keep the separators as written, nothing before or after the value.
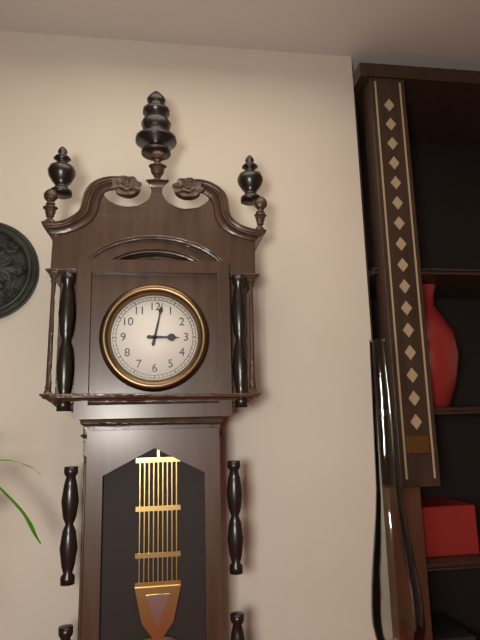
3 h 02 min
